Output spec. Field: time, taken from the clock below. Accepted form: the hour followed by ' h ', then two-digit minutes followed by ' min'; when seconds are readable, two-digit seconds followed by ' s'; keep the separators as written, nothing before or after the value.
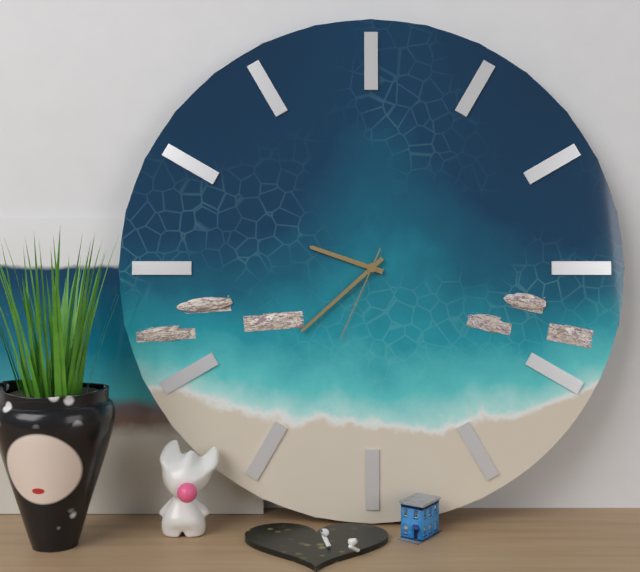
9 h 38 min 34 s
